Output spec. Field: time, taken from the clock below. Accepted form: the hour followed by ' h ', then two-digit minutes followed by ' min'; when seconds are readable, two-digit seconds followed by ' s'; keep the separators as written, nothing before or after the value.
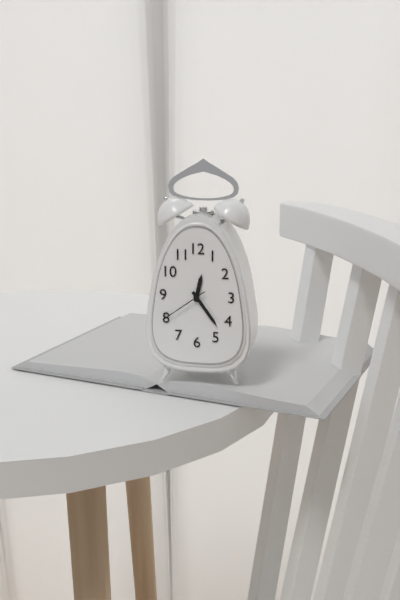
12 h 24 min
